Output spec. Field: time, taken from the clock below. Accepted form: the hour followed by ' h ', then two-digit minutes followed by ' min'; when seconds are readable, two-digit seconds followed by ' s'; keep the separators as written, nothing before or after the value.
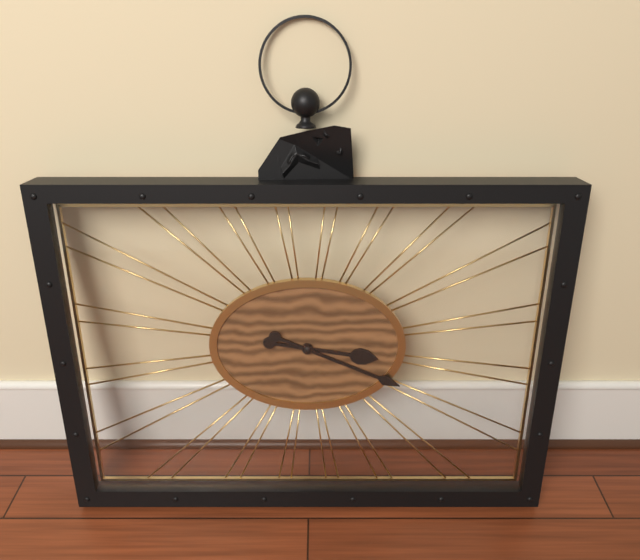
3 h 19 min
